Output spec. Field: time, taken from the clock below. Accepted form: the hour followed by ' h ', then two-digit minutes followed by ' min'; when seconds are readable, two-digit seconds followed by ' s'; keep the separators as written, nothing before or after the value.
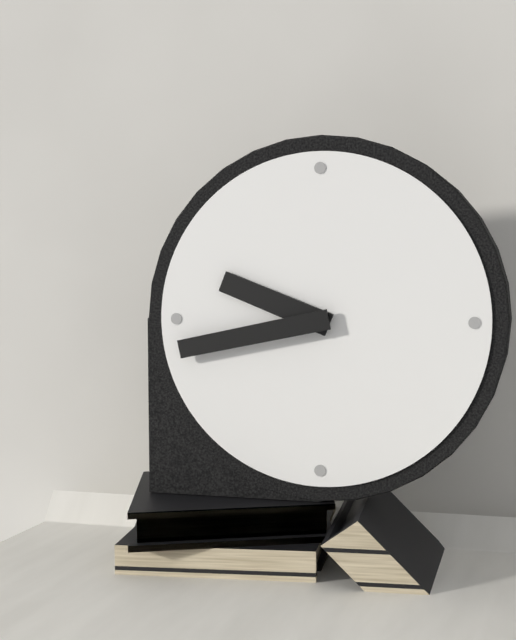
9 h 43 min
